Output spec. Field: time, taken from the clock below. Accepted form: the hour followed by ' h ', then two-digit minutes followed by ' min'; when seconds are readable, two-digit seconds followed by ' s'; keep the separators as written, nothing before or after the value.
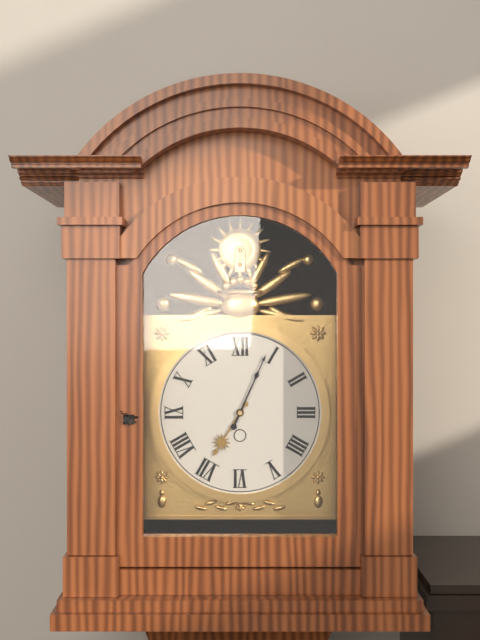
7 h 04 min
